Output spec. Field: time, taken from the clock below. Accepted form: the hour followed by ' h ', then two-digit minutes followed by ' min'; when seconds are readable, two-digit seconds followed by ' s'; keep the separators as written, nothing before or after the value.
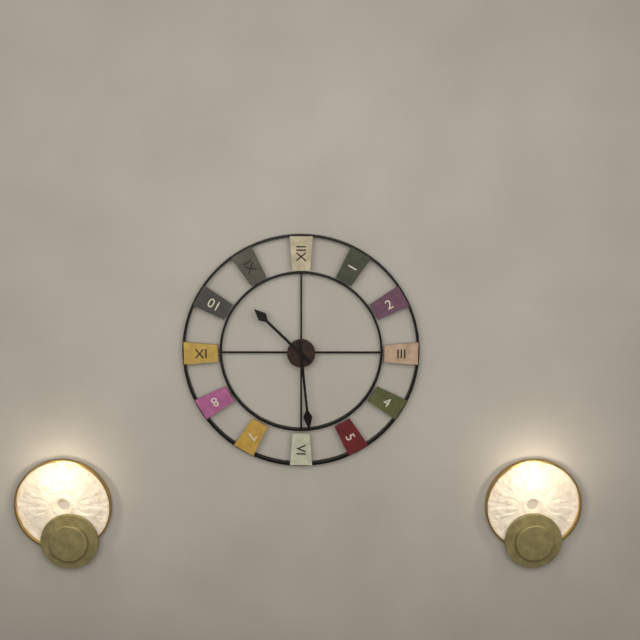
10 h 29 min
